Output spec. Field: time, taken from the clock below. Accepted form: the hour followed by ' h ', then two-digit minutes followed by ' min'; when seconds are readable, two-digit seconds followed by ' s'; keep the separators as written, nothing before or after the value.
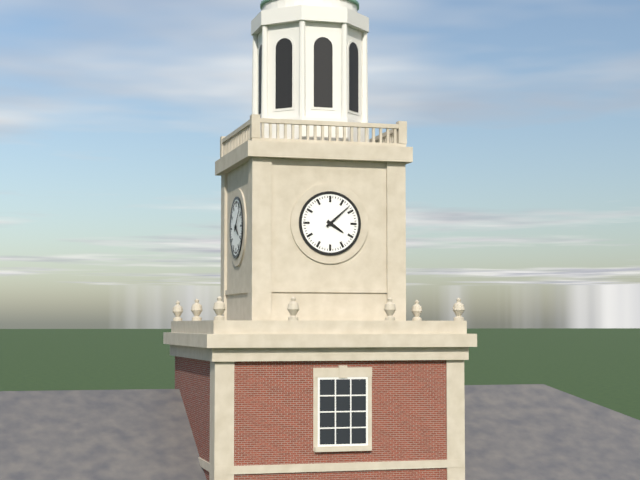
4 h 08 min
